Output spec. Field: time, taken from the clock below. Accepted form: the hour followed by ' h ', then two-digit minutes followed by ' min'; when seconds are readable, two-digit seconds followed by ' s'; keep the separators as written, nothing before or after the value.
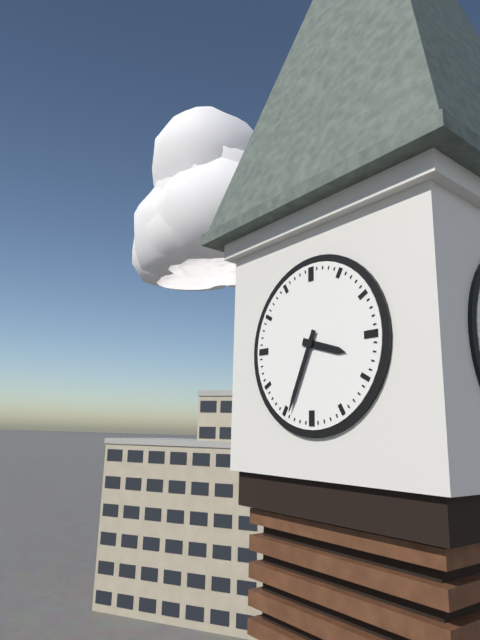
3 h 34 min
